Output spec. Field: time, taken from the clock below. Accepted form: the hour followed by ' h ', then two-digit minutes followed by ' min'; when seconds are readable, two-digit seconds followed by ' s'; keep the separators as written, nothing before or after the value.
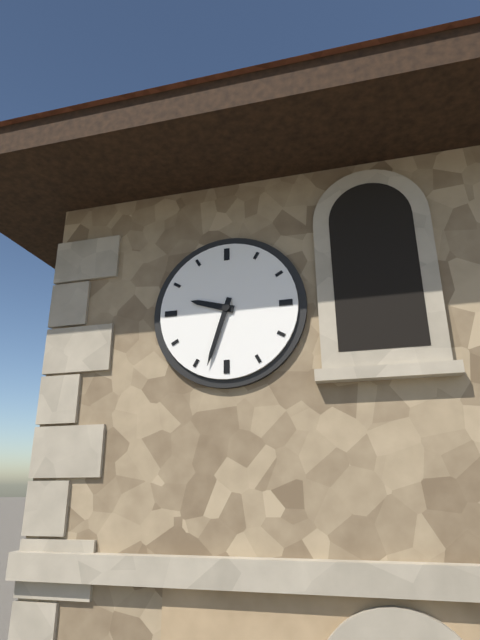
9 h 33 min
